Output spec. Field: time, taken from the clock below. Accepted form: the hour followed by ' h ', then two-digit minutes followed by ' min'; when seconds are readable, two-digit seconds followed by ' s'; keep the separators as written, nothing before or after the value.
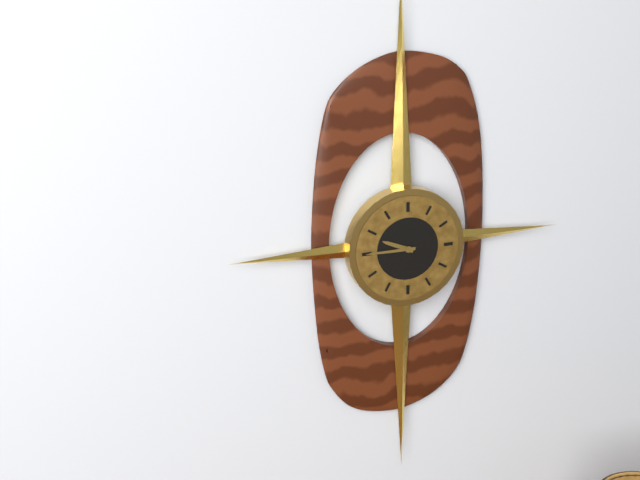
9 h 45 min
